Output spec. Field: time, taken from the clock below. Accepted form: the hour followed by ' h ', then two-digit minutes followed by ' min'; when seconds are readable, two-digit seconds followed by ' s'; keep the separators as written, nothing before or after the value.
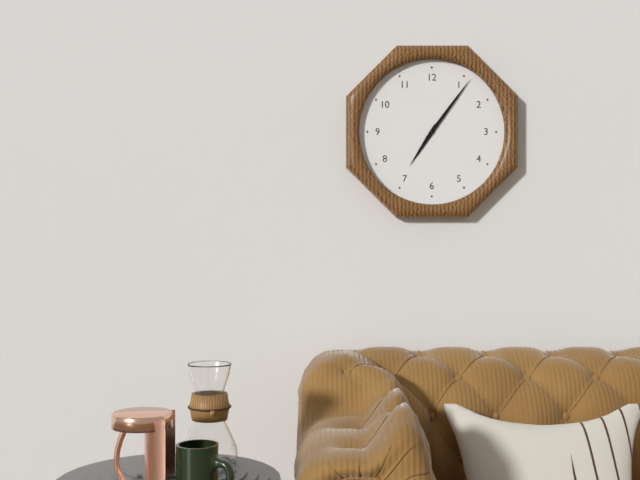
7 h 06 min
